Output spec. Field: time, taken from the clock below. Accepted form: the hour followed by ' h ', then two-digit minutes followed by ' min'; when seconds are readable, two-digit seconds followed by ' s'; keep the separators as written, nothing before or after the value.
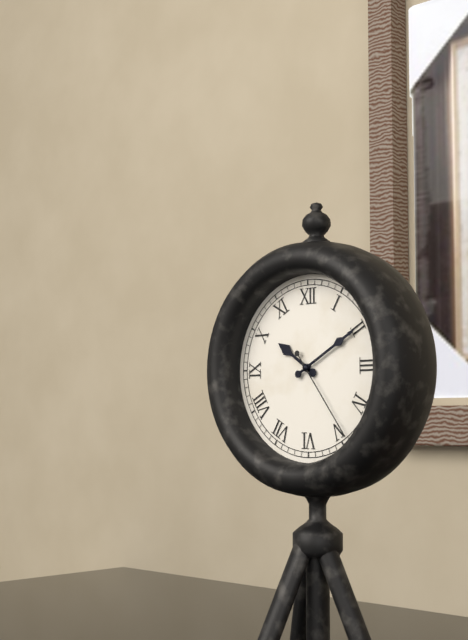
10 h 10 min 24 s
